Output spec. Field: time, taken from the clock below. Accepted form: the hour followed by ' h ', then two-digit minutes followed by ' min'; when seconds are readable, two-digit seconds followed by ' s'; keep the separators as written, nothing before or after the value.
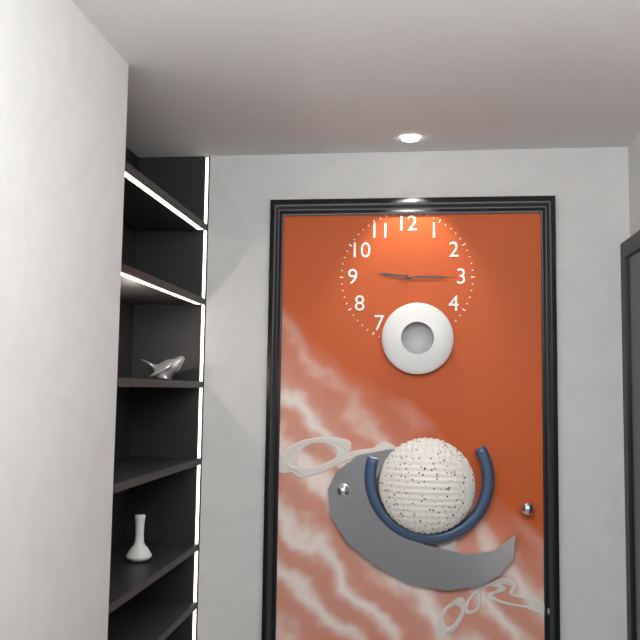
9 h 15 min 14 s
